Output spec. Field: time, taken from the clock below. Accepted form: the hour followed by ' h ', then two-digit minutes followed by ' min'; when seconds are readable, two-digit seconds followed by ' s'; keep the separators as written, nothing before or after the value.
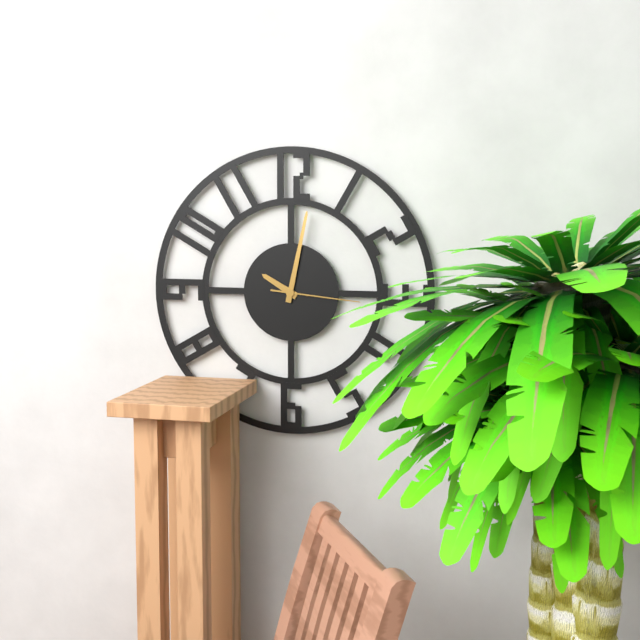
10 h 02 min 16 s
